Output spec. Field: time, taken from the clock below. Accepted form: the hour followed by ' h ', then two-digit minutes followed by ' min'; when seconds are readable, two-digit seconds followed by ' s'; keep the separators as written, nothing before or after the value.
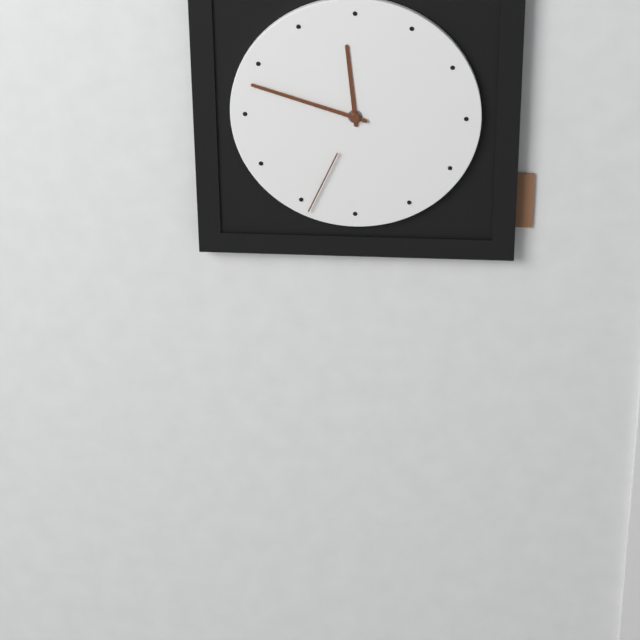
11 h 48 min 34 s
